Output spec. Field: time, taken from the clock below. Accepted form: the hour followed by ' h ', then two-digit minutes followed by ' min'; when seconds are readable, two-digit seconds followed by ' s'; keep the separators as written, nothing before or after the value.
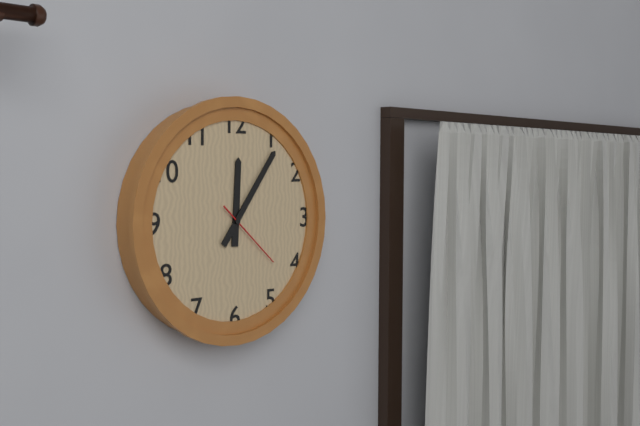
12 h 06 min 22 s
